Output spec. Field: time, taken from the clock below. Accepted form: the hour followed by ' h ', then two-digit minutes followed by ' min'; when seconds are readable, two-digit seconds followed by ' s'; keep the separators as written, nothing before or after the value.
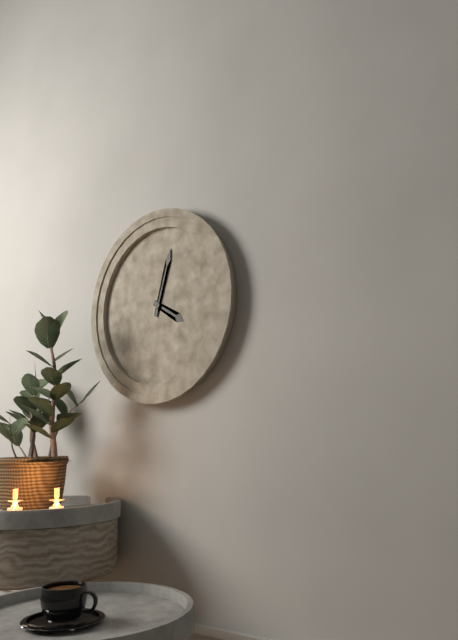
4 h 03 min
